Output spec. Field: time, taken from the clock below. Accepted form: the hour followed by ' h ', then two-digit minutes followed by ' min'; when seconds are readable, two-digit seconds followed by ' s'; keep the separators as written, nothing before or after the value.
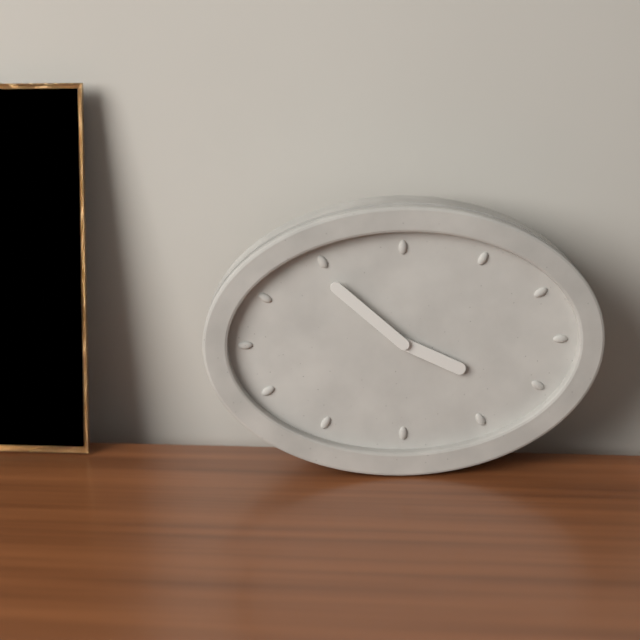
3 h 52 min
